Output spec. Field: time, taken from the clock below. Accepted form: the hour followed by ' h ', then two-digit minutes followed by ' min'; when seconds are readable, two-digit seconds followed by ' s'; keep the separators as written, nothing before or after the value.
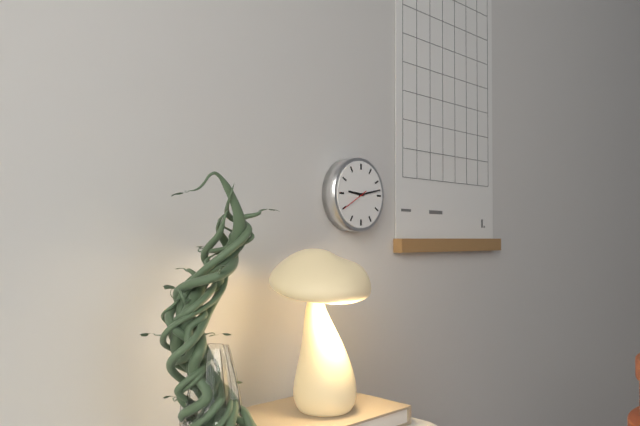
9 h 13 min
